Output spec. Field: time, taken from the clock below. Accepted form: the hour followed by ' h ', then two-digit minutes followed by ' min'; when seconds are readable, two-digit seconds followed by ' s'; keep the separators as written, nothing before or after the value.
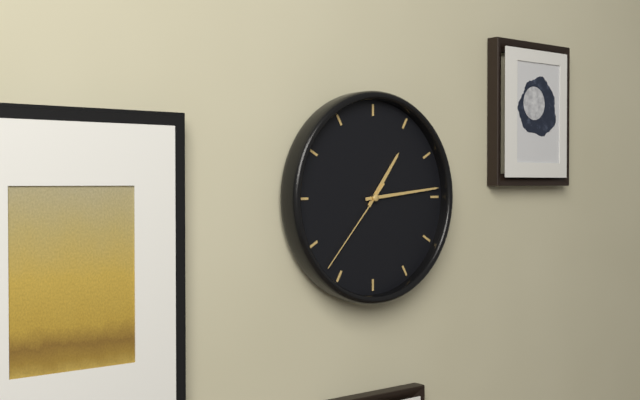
1 h 14 min 37 s
